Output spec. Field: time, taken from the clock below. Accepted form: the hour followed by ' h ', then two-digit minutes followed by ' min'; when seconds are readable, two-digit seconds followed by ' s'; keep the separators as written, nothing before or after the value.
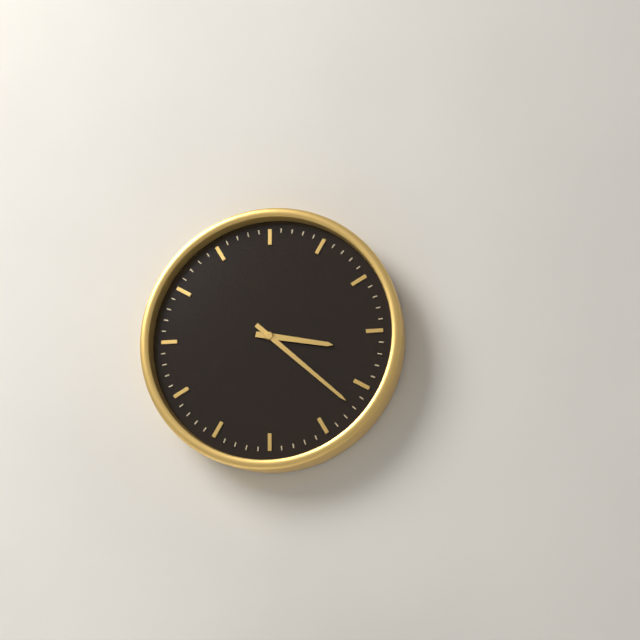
3 h 22 min
